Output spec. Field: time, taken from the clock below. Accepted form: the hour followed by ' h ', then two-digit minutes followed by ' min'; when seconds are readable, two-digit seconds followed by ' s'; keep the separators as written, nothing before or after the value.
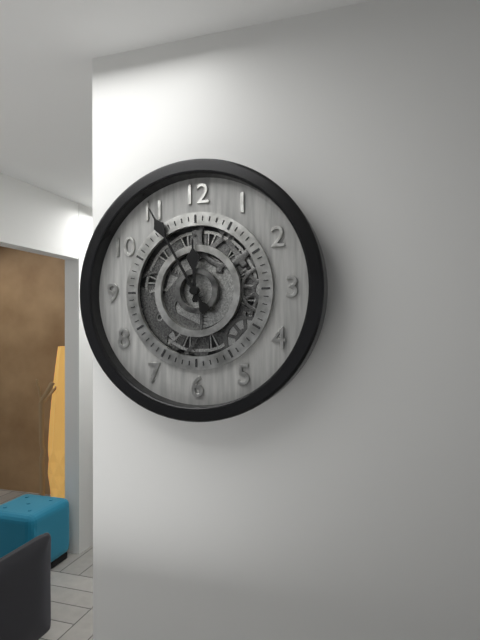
11 h 55 min
